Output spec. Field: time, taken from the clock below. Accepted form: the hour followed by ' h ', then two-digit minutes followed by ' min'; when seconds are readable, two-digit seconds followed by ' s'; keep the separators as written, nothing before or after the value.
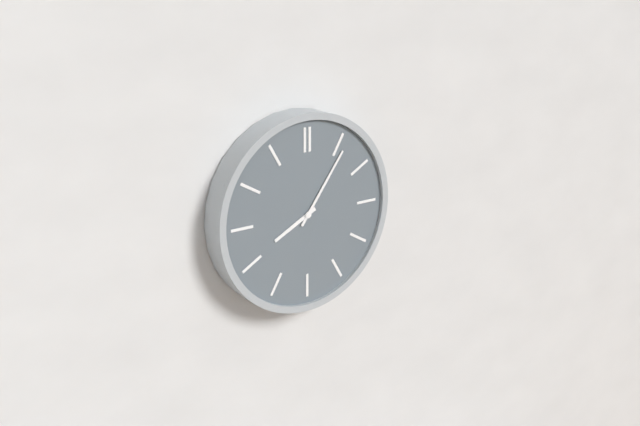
8 h 06 min
